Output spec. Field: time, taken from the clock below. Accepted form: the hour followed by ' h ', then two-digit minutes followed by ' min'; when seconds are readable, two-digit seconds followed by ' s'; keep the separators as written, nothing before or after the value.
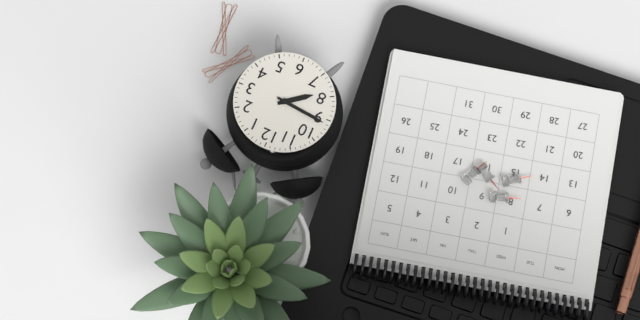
7 h 46 min
